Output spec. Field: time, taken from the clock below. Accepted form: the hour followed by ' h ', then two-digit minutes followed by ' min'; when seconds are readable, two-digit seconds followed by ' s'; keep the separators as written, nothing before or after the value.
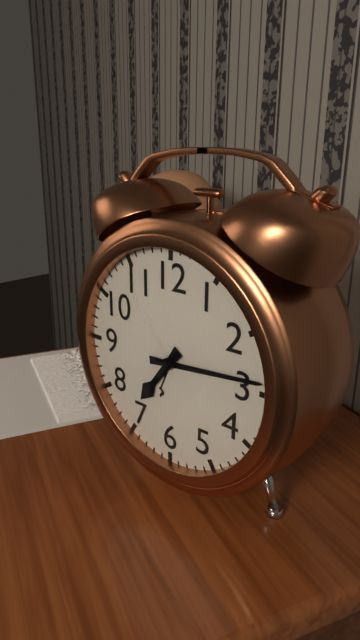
7 h 14 min
